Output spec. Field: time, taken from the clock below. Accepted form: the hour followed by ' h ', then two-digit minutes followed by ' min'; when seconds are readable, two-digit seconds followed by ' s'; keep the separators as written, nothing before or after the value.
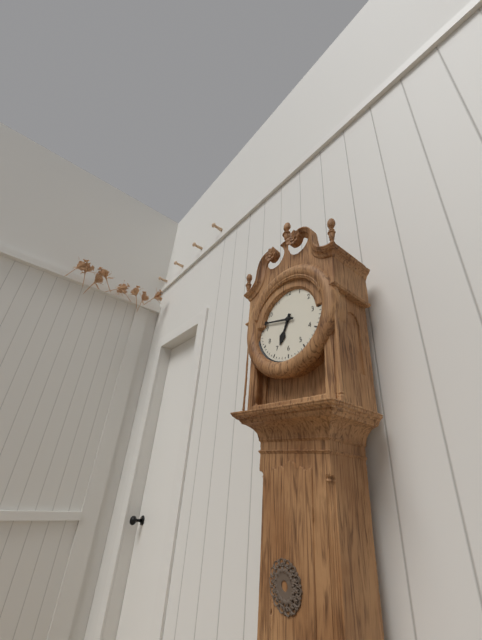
6 h 47 min
